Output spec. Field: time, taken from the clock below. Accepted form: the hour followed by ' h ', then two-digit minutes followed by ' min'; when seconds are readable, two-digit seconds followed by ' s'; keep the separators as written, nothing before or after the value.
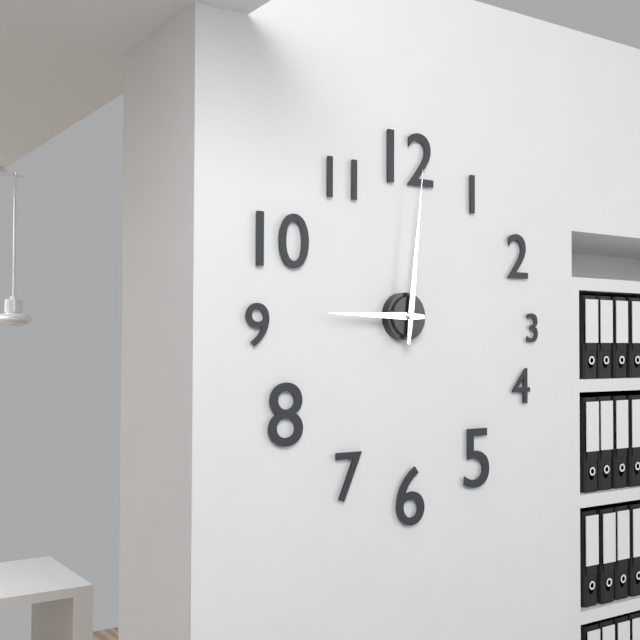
9 h 01 min
